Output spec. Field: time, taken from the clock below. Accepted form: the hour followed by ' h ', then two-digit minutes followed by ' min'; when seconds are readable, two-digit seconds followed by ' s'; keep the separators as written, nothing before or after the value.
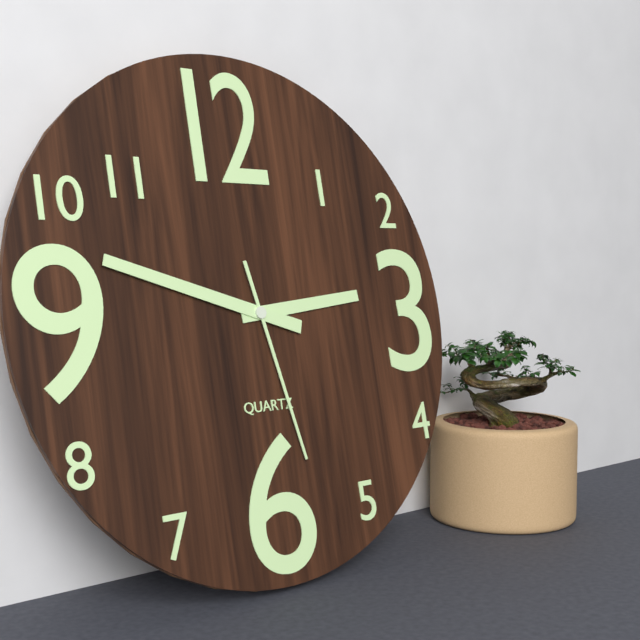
2 h 48 min 28 s
